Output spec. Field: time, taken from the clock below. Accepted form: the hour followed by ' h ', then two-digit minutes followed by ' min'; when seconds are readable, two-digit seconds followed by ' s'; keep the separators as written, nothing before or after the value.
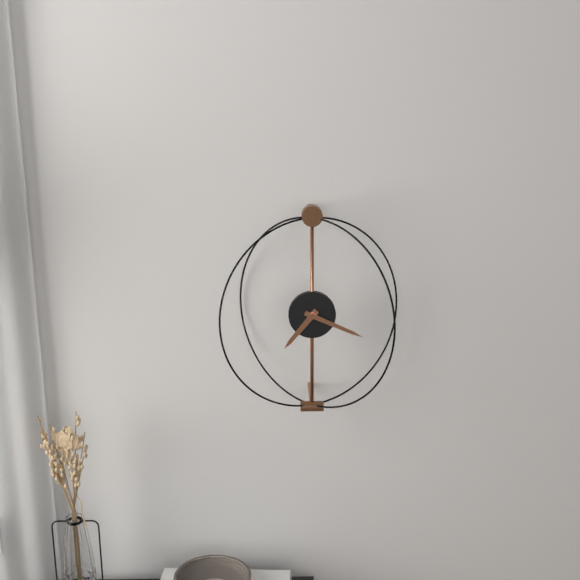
7 h 19 min
